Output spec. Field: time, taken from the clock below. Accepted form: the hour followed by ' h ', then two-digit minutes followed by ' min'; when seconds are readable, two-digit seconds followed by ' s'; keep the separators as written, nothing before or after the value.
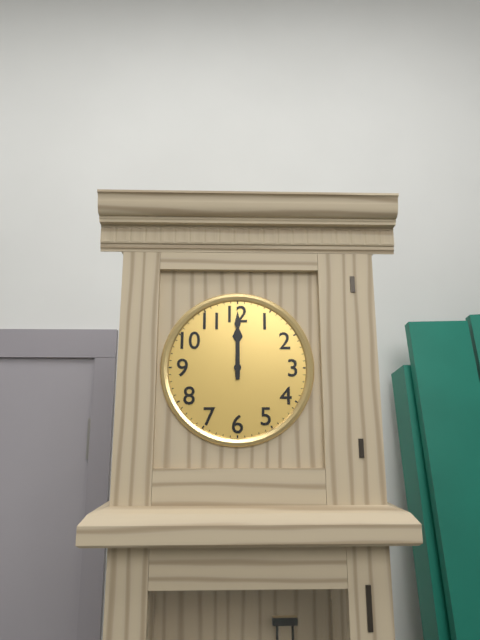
12 h 00 min
